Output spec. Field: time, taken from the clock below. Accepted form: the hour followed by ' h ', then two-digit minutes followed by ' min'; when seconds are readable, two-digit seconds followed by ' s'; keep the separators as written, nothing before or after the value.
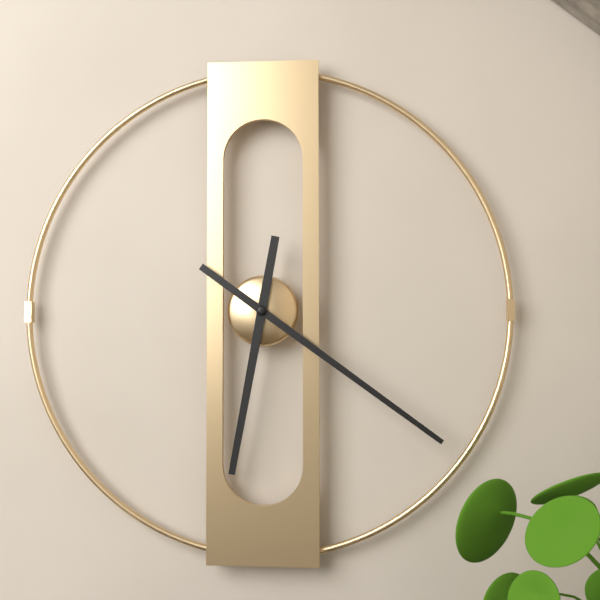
6 h 21 min
